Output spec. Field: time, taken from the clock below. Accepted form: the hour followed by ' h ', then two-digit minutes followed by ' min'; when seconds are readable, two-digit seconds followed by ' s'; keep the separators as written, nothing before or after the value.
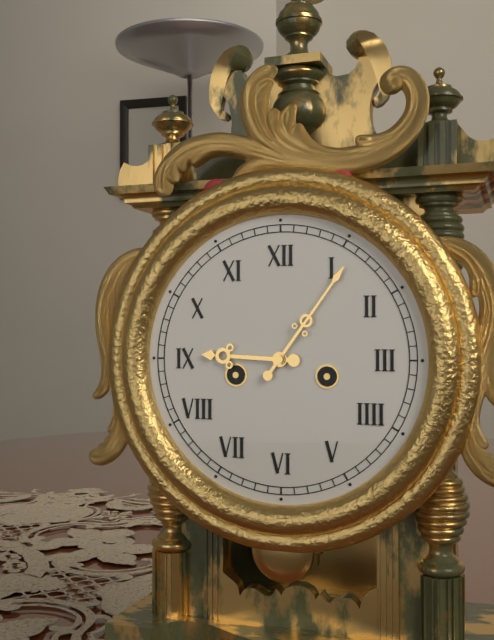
9 h 06 min
